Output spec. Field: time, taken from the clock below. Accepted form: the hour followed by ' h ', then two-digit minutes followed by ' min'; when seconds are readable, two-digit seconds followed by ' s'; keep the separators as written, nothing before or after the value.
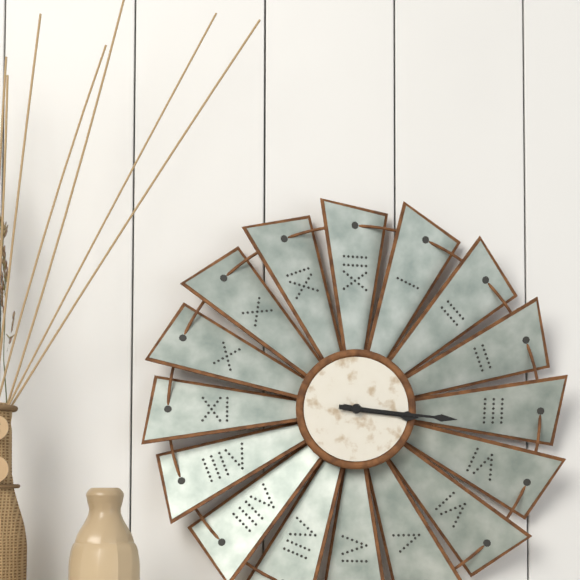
3 h 16 min
